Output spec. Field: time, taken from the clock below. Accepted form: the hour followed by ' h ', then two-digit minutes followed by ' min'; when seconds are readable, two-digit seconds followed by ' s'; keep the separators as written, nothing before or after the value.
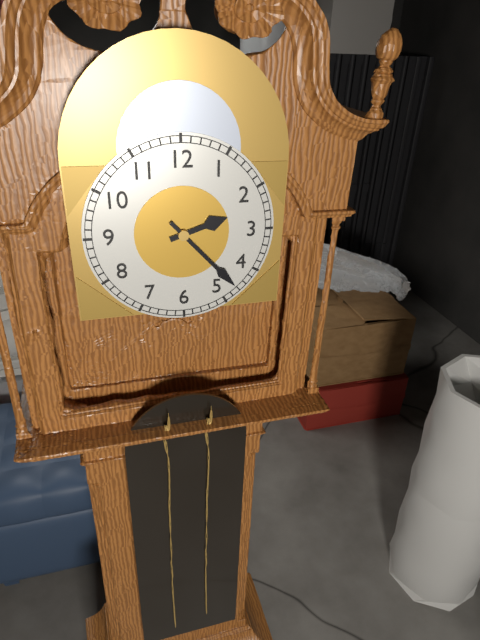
2 h 23 min
